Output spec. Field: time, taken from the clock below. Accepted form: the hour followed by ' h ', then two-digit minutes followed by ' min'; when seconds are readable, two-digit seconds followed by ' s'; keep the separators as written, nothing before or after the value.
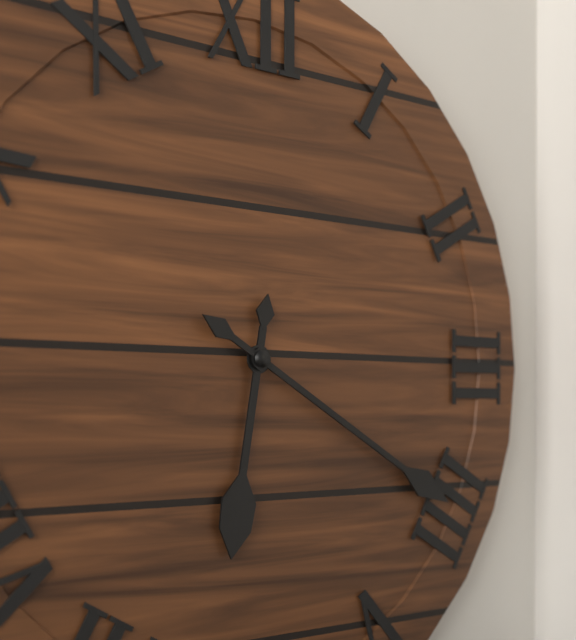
6 h 20 min
